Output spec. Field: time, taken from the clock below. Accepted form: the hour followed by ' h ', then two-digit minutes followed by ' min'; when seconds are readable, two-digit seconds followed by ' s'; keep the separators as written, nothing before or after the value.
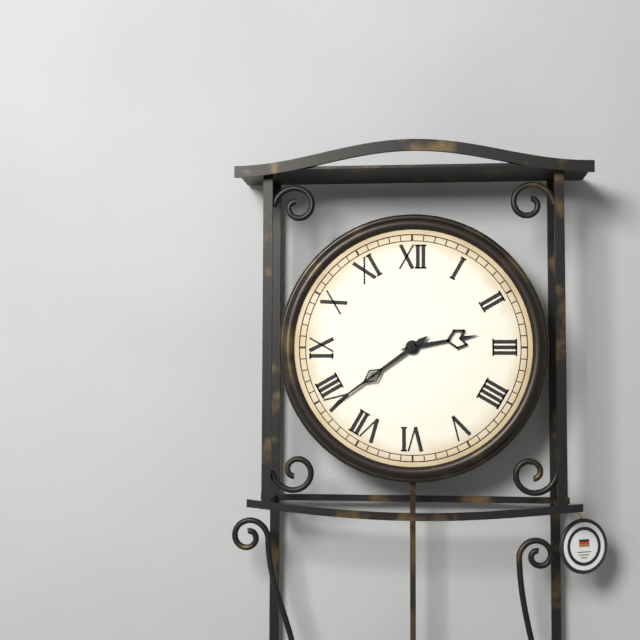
2 h 39 min
